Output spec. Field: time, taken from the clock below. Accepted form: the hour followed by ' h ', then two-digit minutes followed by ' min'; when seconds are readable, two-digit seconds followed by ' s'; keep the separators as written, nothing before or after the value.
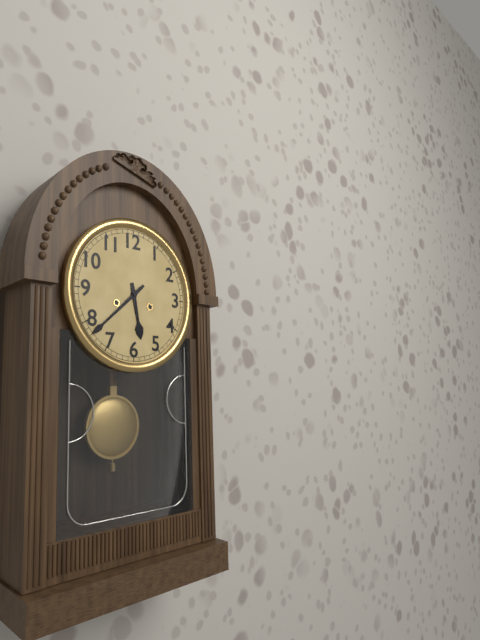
5 h 38 min
